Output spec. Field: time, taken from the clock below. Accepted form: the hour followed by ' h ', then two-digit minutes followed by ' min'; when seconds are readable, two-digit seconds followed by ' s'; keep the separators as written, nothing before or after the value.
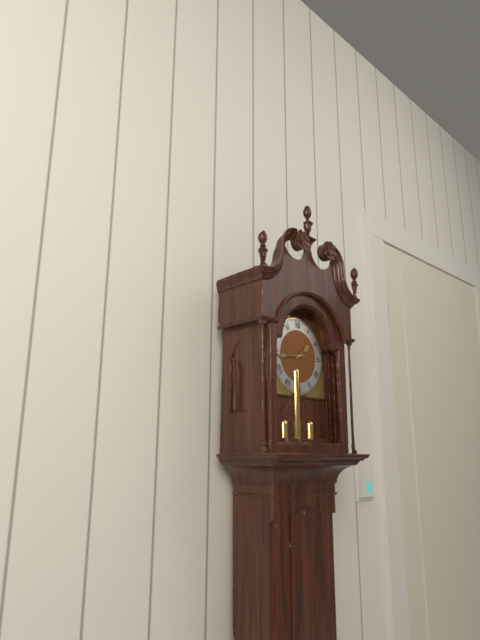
1 h 44 min
